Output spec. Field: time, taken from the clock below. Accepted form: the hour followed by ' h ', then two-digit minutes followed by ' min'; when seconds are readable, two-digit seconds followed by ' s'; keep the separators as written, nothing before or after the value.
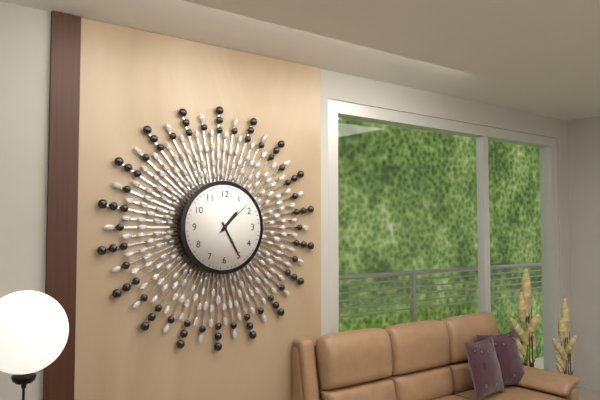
1 h 25 min
